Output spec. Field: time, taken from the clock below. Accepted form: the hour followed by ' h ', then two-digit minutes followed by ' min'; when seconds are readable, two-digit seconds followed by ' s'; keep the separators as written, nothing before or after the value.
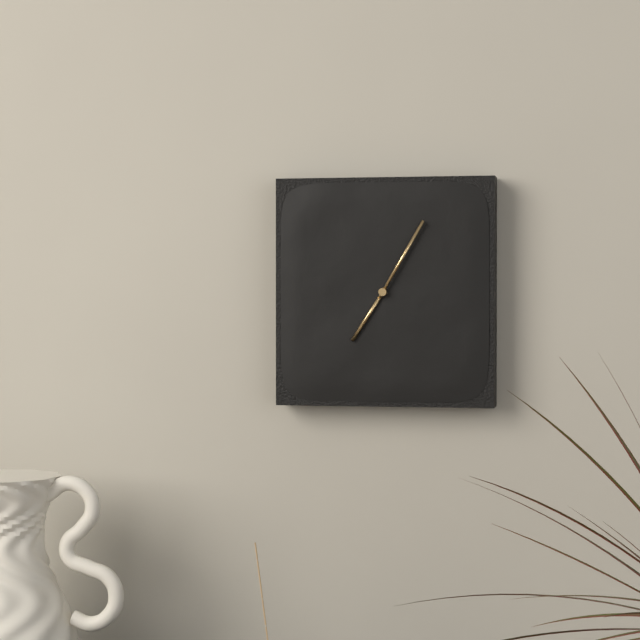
7 h 05 min
